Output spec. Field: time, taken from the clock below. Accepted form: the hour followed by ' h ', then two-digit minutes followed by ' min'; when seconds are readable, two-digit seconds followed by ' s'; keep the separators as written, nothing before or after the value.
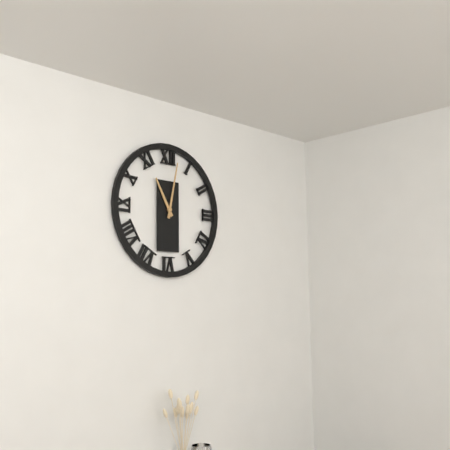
11 h 02 min
